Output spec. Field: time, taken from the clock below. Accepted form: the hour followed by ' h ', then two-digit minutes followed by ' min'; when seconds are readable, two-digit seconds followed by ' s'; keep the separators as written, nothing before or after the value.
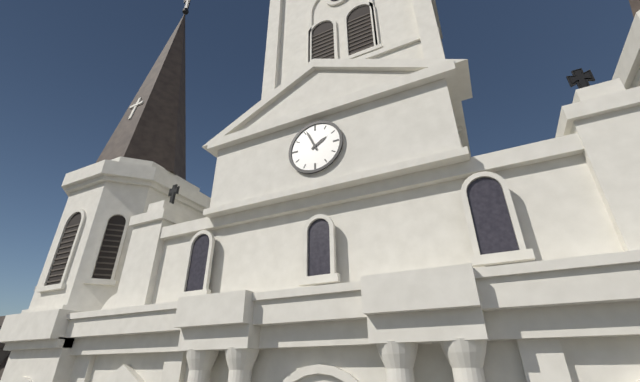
1 h 56 min
